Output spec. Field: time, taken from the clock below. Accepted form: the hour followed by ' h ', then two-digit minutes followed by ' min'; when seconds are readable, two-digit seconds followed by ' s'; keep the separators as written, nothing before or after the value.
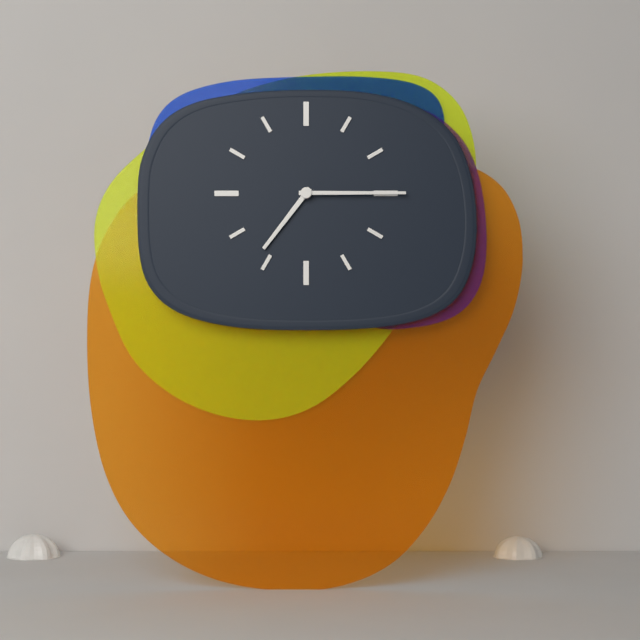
7 h 15 min
